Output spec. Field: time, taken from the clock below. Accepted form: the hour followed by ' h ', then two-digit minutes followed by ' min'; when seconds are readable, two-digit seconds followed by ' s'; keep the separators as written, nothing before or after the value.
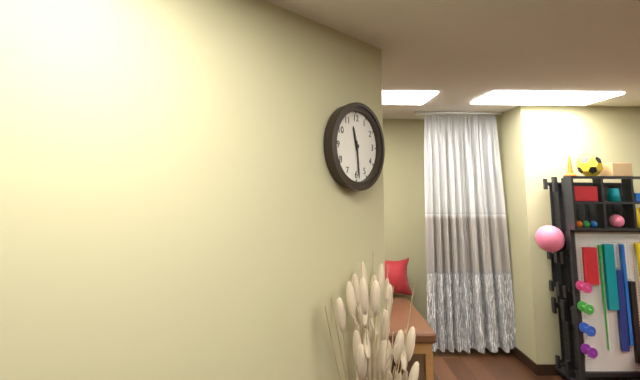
11 h 29 min
